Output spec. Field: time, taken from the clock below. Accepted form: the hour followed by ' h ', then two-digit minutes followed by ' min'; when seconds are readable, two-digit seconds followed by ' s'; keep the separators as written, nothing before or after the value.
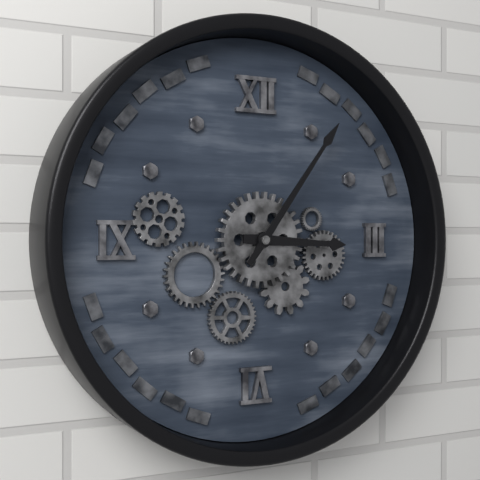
3 h 06 min
